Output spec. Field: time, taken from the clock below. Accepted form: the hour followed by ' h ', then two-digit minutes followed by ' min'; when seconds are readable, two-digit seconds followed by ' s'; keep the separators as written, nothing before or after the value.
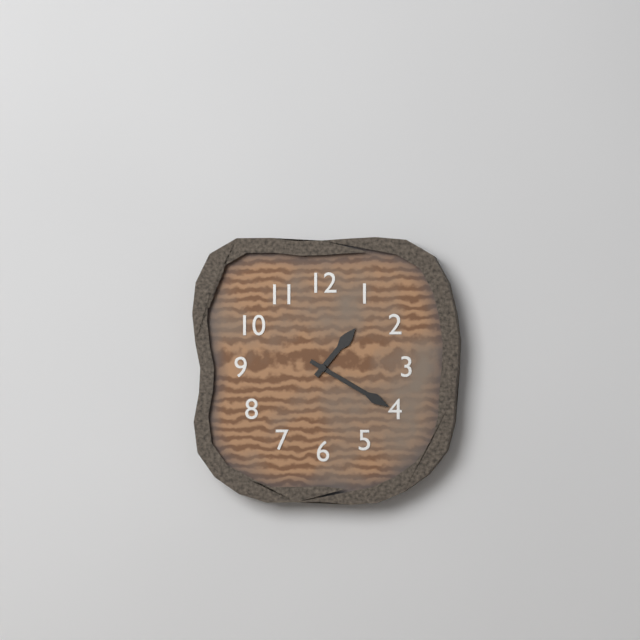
1 h 20 min
